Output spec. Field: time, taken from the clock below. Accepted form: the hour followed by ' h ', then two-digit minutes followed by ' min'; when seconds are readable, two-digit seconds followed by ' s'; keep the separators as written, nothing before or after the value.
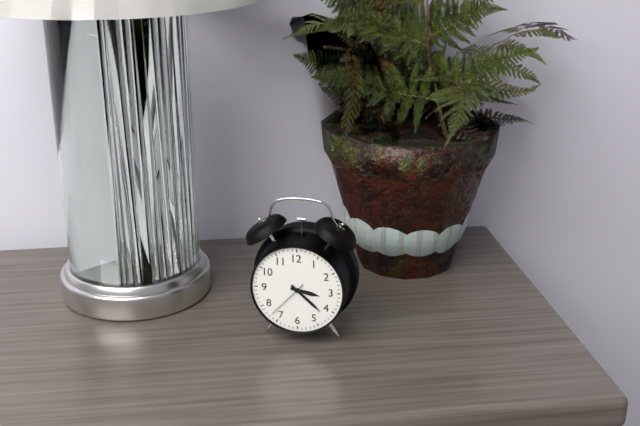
3 h 22 min
